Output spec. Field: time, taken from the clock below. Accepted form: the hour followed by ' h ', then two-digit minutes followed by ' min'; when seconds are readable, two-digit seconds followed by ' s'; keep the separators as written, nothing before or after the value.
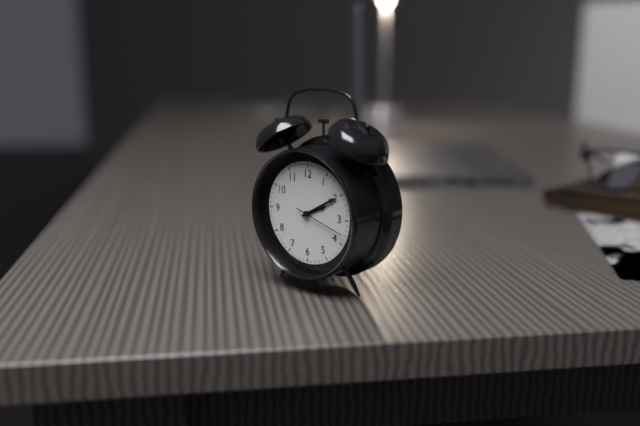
2 h 10 min 18 s
